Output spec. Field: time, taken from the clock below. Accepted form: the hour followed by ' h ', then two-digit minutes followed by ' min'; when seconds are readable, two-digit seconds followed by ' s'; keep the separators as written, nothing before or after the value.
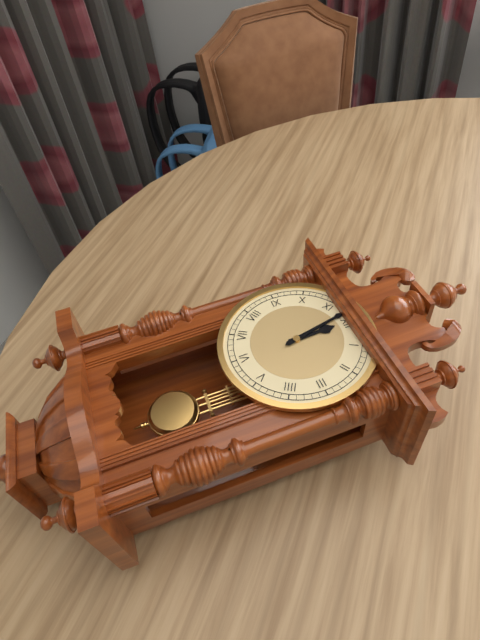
11 h 58 min
